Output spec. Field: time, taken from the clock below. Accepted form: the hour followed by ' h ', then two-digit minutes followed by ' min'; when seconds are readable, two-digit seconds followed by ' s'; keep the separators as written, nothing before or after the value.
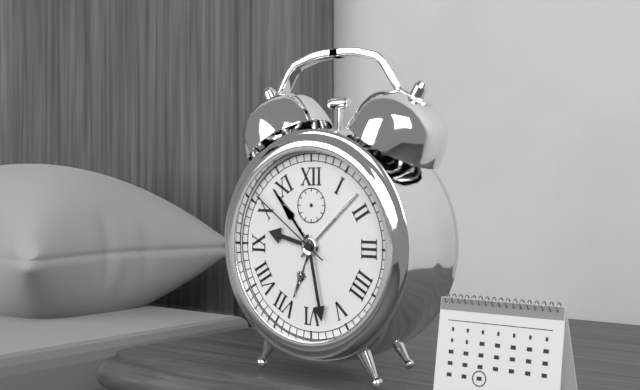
9 h 28 min 51 s
